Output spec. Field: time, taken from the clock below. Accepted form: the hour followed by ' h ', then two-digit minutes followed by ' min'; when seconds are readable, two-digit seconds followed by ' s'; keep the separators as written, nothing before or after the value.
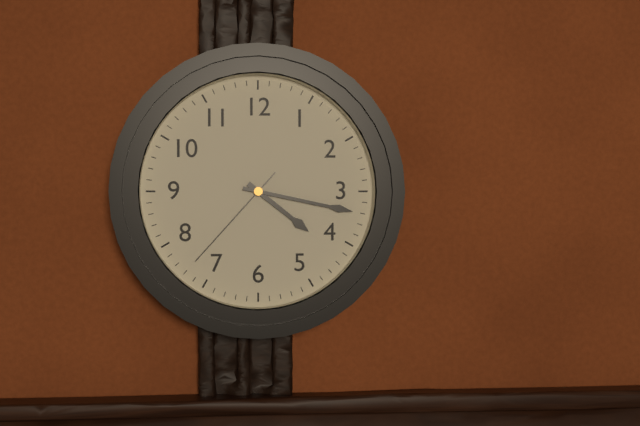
4 h 17 min 37 s
